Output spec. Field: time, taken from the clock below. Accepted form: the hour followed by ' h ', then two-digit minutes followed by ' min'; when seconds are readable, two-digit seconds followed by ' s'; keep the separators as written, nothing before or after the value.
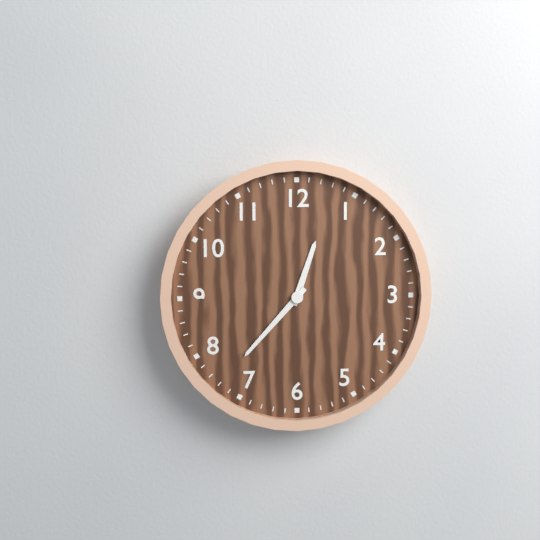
12 h 37 min
